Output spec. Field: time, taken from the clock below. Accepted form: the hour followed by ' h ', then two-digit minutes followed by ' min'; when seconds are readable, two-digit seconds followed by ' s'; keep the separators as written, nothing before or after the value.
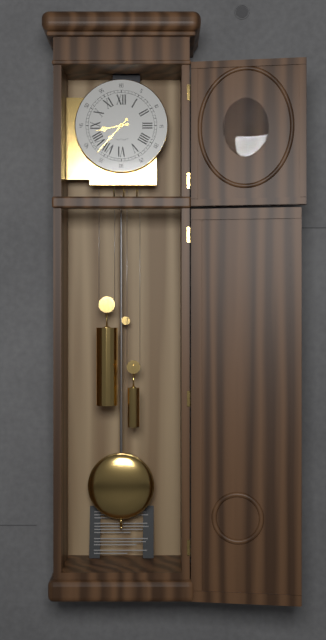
8 h 37 min
